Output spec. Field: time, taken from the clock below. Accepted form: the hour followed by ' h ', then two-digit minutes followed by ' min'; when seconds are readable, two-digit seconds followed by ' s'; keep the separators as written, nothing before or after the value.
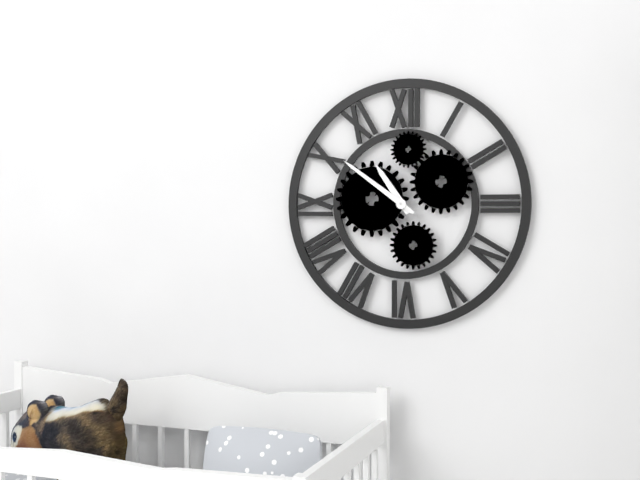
10 h 51 min
